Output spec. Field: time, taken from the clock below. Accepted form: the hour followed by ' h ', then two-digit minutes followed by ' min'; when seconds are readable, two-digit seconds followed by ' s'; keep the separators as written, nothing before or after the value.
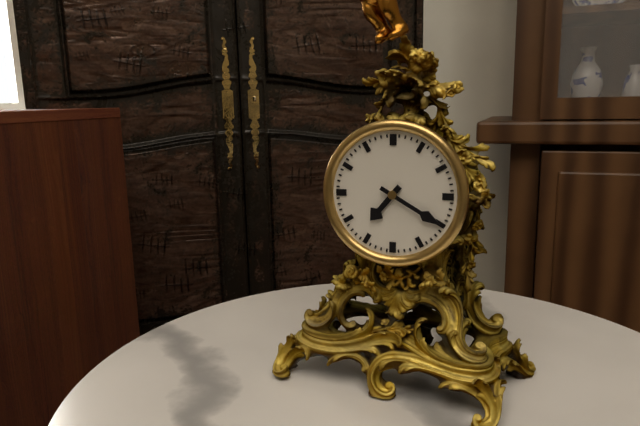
7 h 20 min
